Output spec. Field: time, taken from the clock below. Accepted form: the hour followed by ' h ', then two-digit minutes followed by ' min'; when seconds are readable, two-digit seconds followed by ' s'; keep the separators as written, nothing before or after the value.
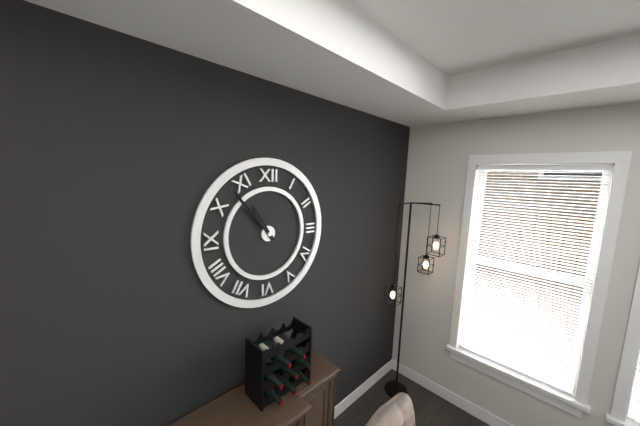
10 h 53 min
